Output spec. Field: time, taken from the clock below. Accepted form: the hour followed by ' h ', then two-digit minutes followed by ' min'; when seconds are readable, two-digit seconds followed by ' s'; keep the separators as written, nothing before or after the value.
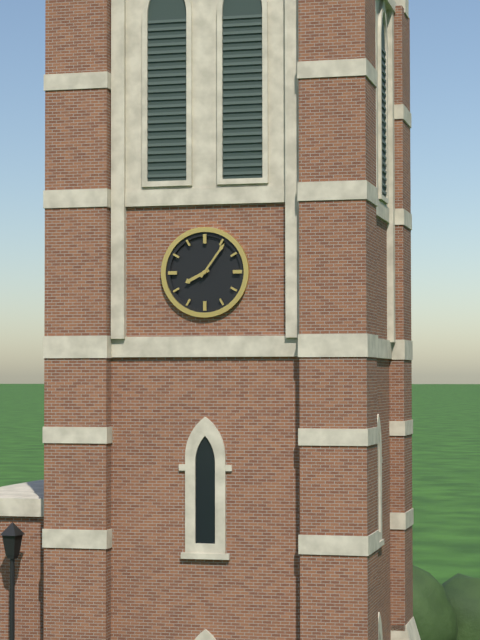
8 h 06 min
